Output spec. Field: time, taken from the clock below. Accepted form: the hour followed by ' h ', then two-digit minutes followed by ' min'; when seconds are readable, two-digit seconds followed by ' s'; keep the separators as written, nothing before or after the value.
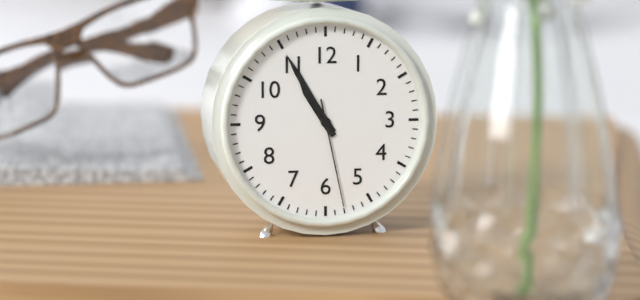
10 h 55 min 28 s
